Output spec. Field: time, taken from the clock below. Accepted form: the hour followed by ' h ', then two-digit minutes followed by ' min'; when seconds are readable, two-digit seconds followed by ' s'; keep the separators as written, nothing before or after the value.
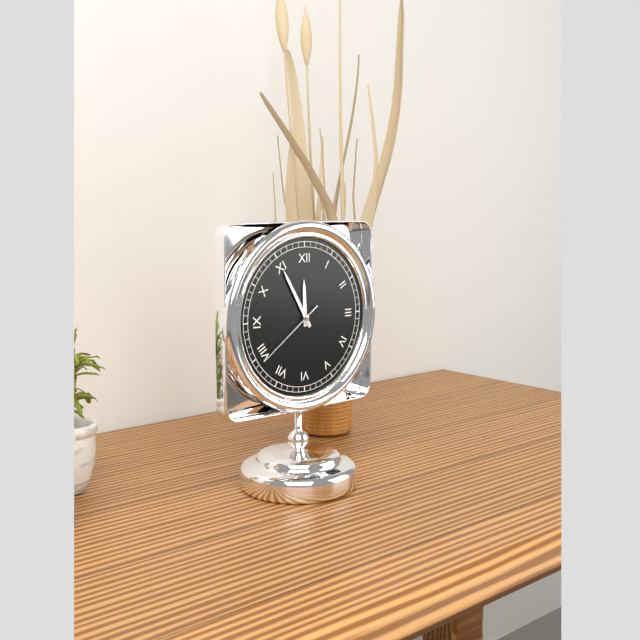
11 h 55 min 39 s
